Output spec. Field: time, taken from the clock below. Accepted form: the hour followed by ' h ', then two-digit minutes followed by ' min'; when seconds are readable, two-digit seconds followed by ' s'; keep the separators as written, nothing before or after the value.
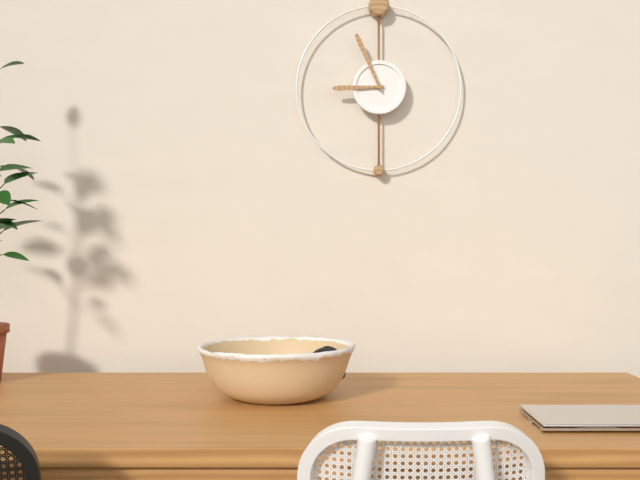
8 h 56 min
